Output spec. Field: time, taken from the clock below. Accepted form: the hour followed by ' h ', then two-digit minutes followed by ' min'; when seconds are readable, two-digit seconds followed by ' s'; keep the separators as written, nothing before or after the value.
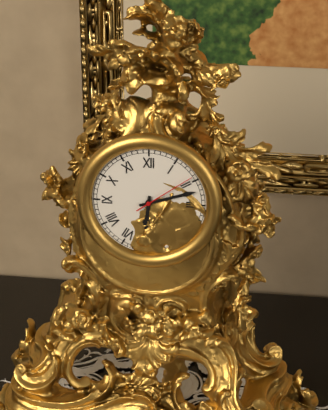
6 h 12 min 09 s
